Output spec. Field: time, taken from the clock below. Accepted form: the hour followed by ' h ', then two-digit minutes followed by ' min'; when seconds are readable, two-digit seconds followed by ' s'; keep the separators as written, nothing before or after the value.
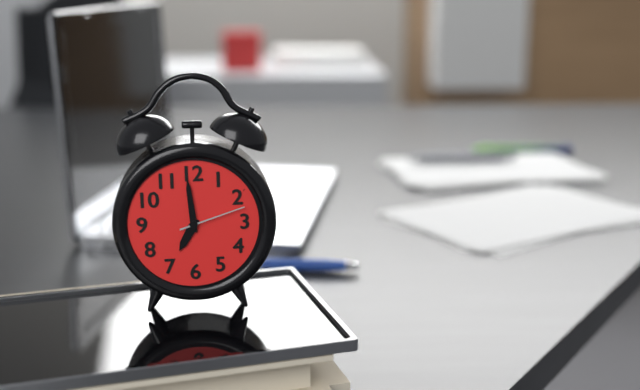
6 h 59 min 12 s
